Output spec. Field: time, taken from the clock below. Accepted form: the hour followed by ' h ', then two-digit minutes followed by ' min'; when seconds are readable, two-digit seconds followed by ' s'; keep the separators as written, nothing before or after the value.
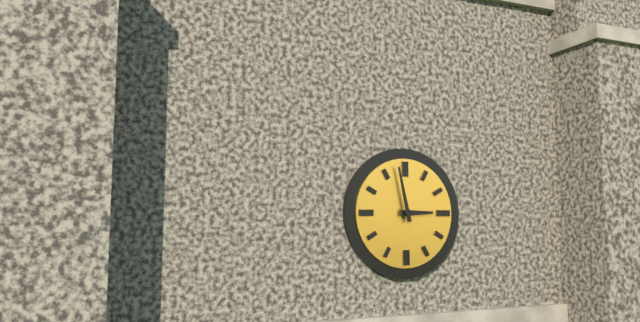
2 h 58 min
